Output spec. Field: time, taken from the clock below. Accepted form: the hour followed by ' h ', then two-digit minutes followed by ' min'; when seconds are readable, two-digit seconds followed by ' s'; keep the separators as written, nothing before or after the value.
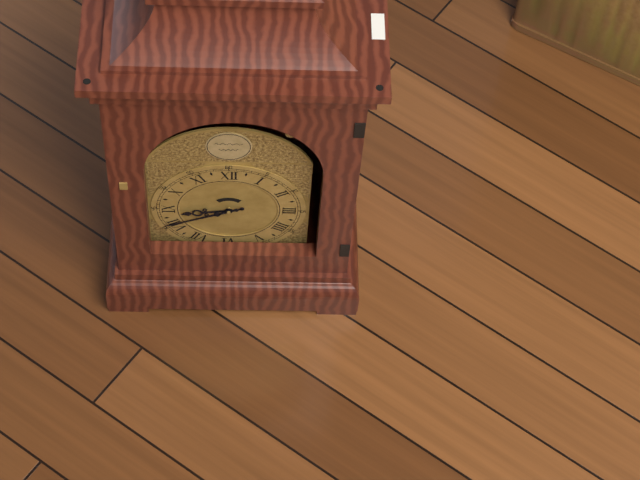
8 h 41 min
